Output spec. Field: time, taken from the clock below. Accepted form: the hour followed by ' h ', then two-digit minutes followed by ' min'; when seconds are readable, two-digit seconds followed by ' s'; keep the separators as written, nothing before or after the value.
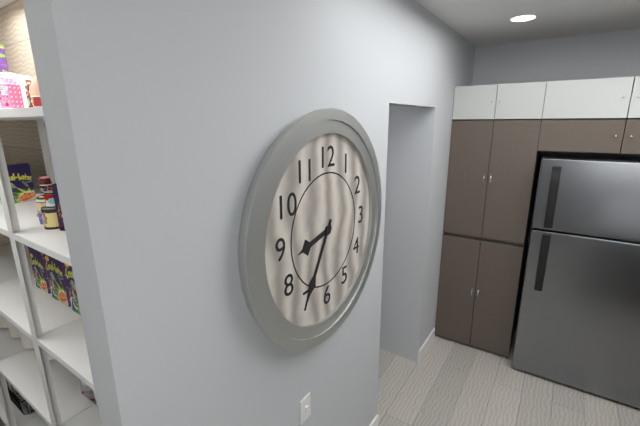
8 h 35 min
